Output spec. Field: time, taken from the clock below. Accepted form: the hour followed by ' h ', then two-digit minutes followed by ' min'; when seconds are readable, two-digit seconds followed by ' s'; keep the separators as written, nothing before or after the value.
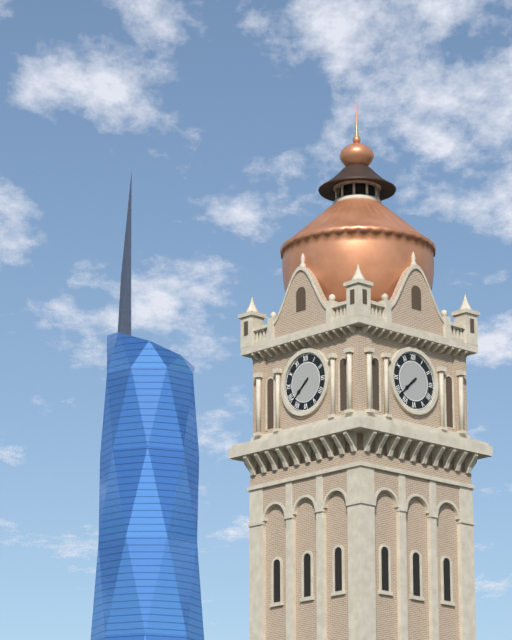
7 h 38 min
